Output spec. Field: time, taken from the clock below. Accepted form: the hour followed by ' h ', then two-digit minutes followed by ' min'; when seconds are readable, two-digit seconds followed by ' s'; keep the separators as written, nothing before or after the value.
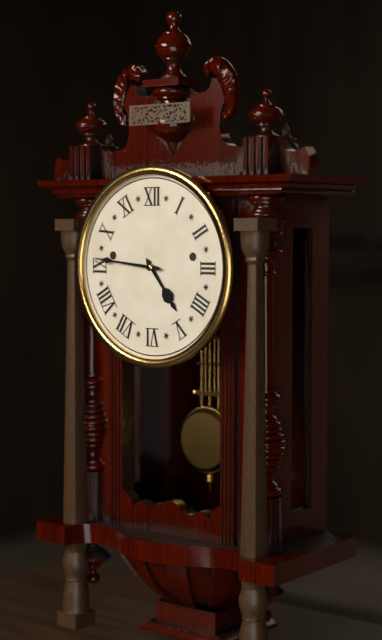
4 h 46 min
